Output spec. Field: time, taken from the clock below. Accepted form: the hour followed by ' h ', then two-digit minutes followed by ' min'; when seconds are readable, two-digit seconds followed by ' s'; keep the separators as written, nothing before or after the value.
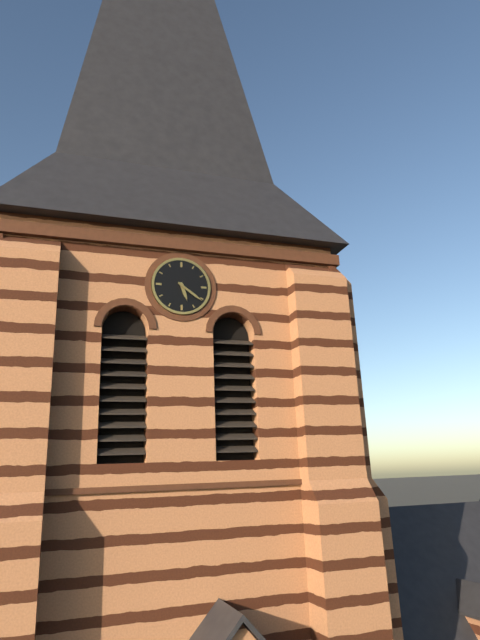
5 h 21 min
